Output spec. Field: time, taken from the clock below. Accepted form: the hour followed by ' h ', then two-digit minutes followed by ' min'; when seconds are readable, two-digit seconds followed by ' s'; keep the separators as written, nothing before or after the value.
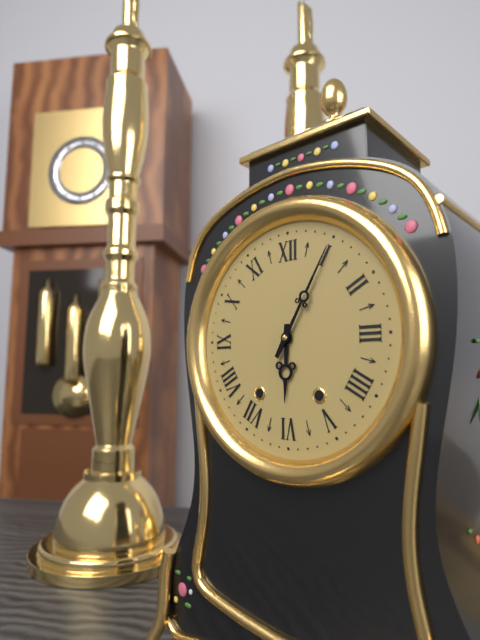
6 h 05 min
